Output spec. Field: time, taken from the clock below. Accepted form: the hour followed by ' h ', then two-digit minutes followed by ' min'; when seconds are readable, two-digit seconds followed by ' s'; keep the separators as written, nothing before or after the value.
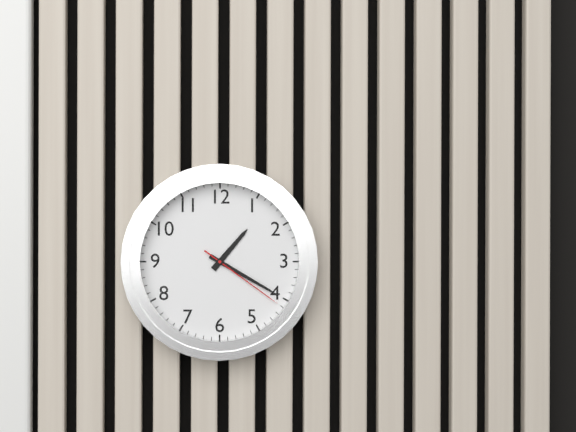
1 h 20 min 21 s
